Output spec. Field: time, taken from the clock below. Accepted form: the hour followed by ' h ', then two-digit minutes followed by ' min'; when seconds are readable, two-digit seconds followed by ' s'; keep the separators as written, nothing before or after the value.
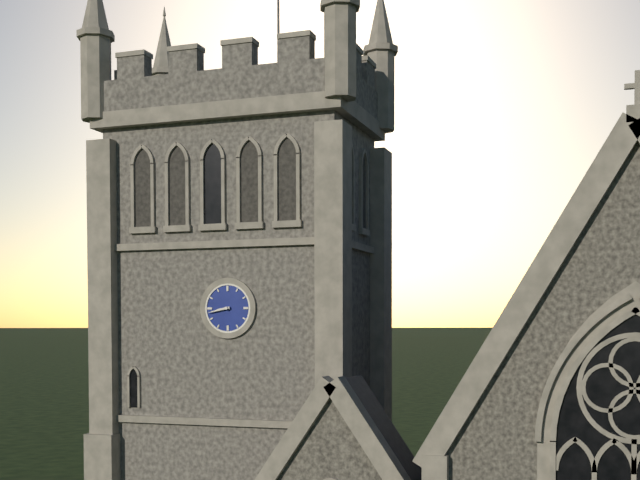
8 h 43 min
